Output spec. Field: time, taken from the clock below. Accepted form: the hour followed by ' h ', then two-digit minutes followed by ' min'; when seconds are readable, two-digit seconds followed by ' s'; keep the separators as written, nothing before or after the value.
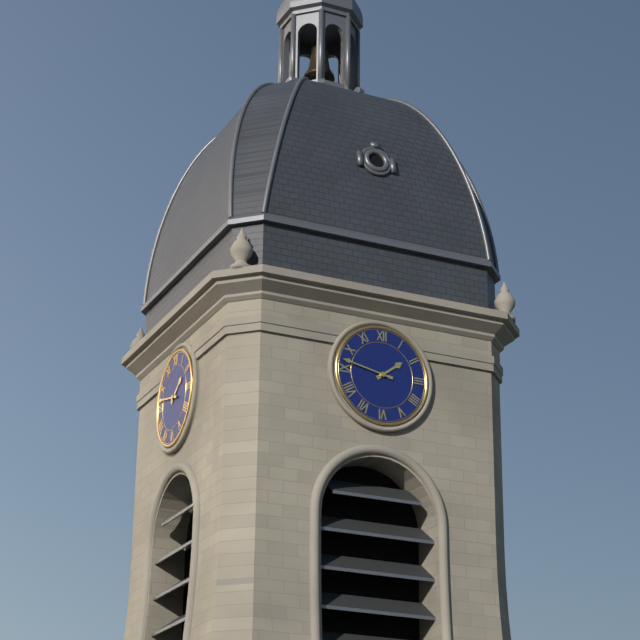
1 h 47 min
